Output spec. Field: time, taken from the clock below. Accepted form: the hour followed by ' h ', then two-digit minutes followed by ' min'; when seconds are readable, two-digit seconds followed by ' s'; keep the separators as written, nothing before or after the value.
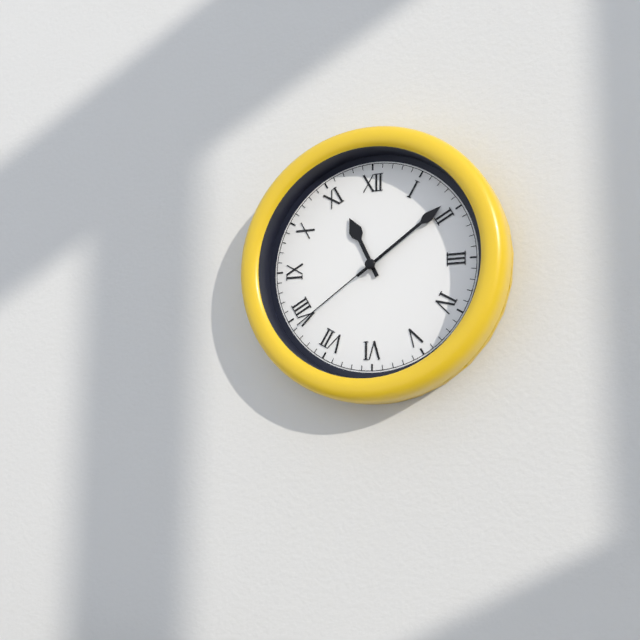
11 h 09 min 39 s
